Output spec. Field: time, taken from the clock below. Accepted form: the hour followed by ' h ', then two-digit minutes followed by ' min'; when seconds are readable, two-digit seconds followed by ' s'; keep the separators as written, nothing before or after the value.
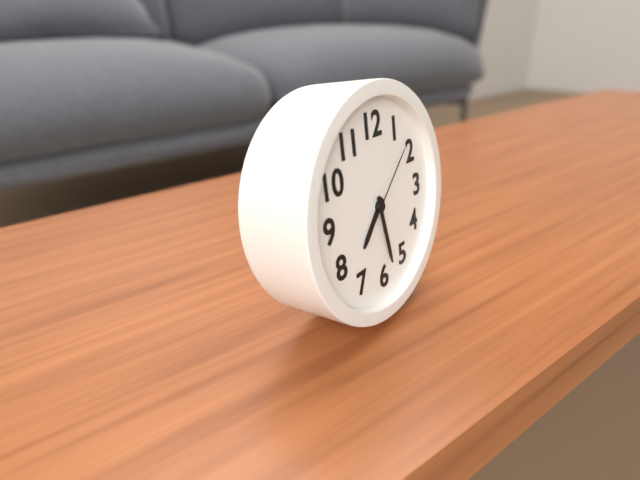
7 h 28 min 08 s
